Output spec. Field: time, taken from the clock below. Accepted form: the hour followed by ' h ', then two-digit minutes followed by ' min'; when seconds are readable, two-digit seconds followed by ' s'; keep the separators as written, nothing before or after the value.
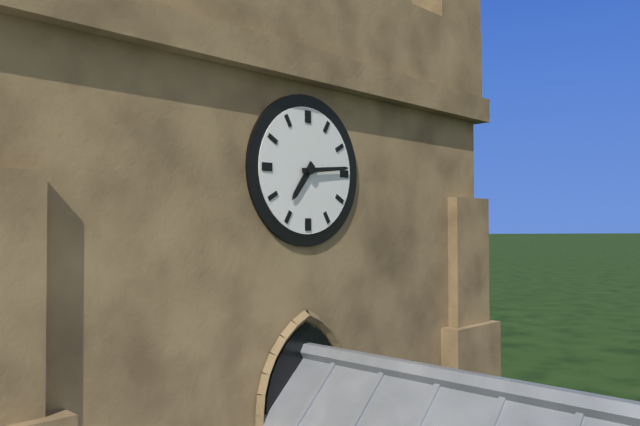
7 h 14 min
